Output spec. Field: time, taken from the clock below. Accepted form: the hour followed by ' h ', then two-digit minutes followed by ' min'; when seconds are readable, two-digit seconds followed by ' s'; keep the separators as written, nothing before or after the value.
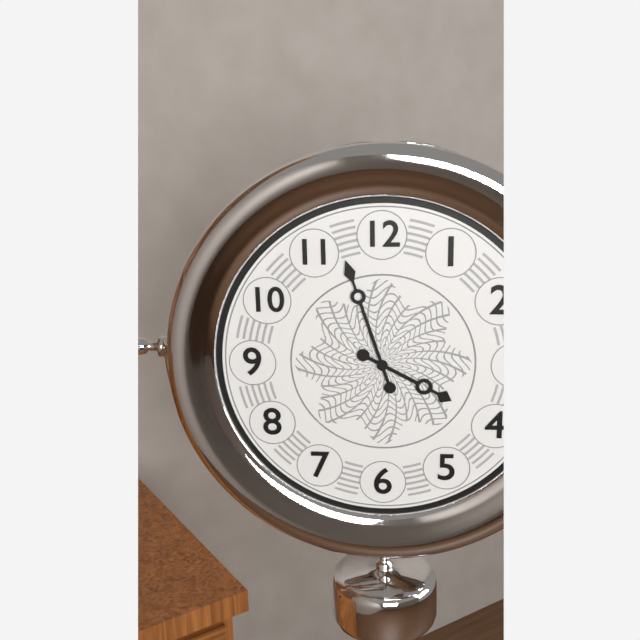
3 h 57 min
